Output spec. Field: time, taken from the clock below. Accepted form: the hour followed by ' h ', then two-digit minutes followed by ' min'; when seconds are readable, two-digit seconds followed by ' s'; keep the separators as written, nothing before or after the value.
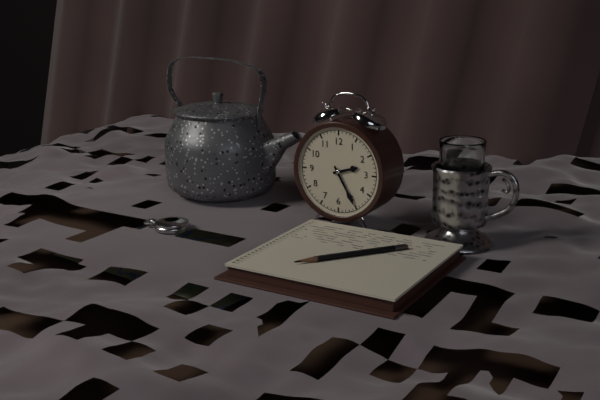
2 h 25 min
